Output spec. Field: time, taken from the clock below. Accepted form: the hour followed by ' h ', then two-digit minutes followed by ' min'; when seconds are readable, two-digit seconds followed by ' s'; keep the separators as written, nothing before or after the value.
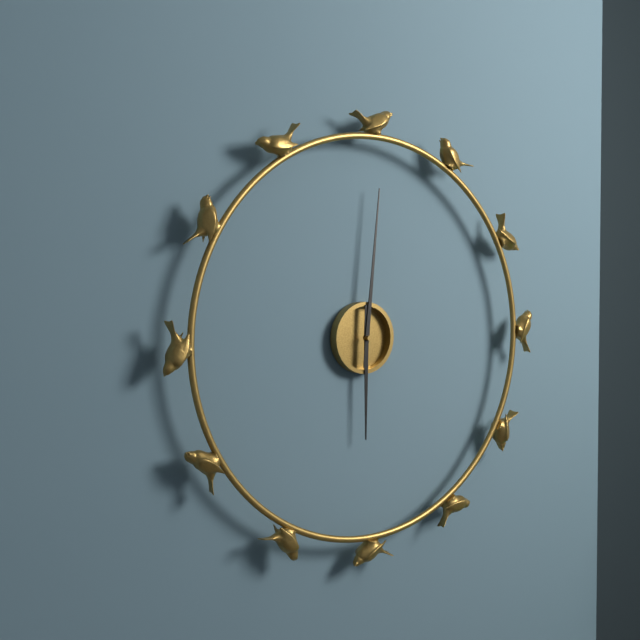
6 h 01 min
